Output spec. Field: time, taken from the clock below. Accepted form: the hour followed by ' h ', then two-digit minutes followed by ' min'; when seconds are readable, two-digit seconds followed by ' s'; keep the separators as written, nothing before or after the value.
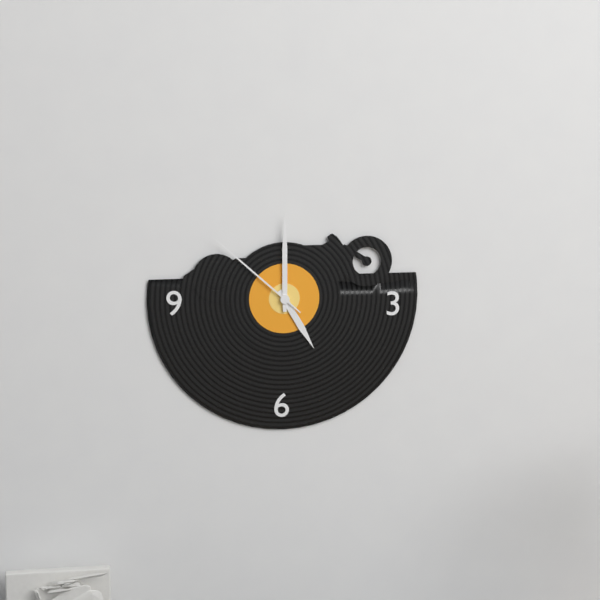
5 h 00 min 52 s
